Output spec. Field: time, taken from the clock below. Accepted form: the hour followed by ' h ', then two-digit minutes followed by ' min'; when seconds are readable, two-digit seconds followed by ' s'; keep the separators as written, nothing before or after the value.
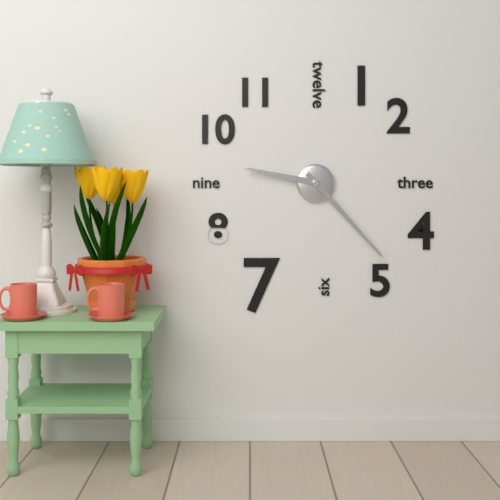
9 h 23 min
